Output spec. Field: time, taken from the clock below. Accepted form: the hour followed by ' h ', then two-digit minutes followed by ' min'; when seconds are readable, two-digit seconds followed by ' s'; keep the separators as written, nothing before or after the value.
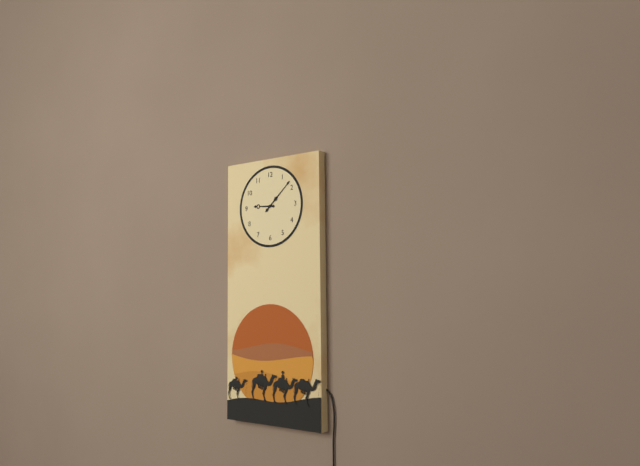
9 h 08 min
